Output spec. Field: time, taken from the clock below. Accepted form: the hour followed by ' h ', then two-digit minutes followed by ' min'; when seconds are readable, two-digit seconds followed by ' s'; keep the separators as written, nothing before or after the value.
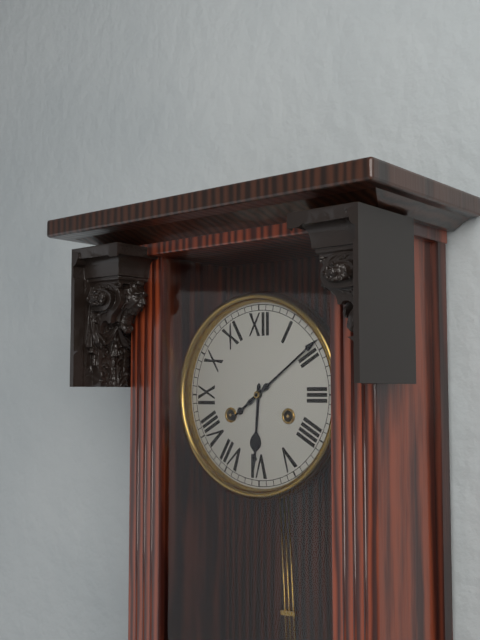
6 h 09 min
